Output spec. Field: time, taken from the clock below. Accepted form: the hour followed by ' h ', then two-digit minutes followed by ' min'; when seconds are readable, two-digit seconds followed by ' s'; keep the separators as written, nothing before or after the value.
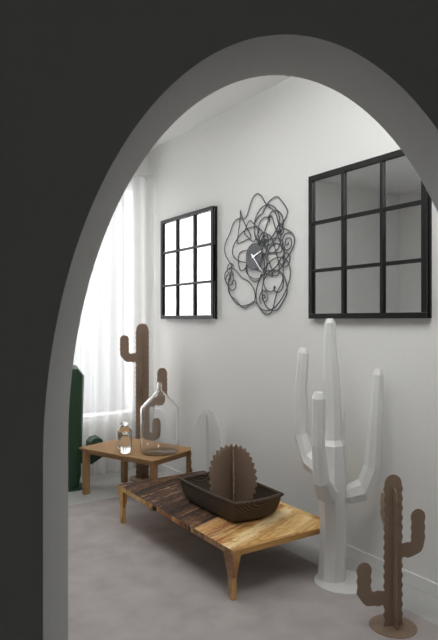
2 h 23 min
